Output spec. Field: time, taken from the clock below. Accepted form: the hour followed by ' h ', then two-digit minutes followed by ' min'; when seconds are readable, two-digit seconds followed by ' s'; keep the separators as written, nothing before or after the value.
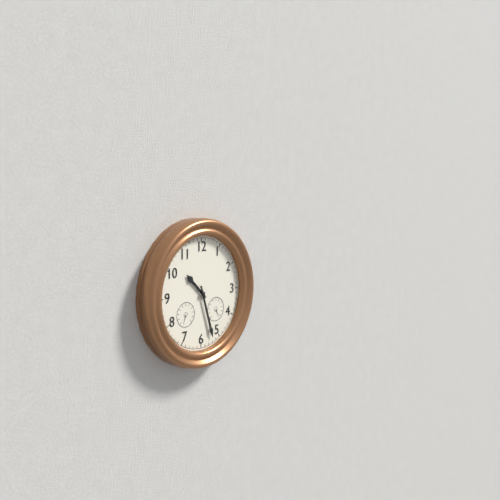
10 h 27 min
